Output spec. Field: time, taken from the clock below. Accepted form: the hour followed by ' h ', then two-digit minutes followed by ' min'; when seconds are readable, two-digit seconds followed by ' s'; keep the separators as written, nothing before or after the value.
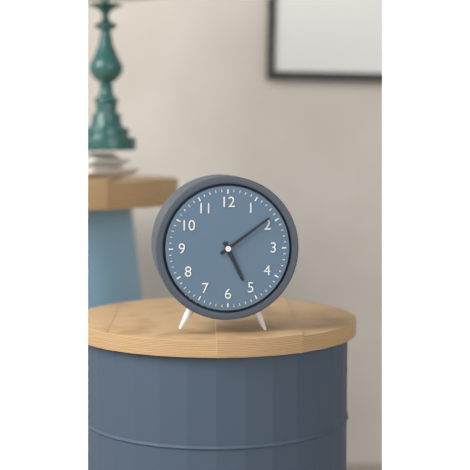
5 h 09 min
